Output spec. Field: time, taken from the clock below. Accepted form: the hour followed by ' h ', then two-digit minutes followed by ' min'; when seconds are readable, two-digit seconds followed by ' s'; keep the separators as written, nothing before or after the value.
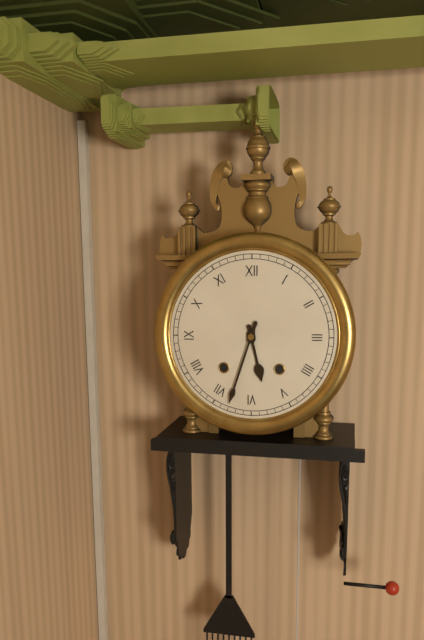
5 h 33 min
